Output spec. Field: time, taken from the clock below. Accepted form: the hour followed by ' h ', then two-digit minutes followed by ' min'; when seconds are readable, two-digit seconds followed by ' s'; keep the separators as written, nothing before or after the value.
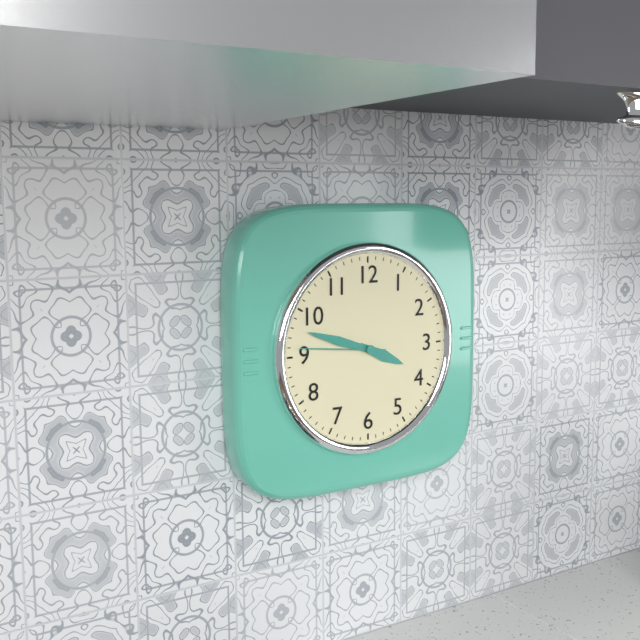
3 h 48 min 46 s
